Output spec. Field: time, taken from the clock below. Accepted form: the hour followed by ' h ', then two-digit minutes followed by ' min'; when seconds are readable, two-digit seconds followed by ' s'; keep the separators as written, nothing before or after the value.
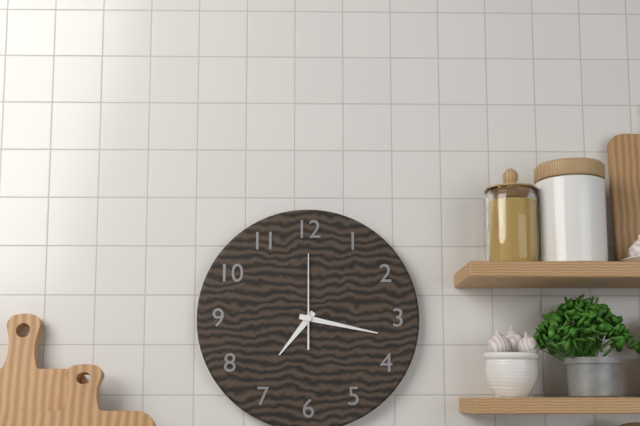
7 h 17 min 00 s
